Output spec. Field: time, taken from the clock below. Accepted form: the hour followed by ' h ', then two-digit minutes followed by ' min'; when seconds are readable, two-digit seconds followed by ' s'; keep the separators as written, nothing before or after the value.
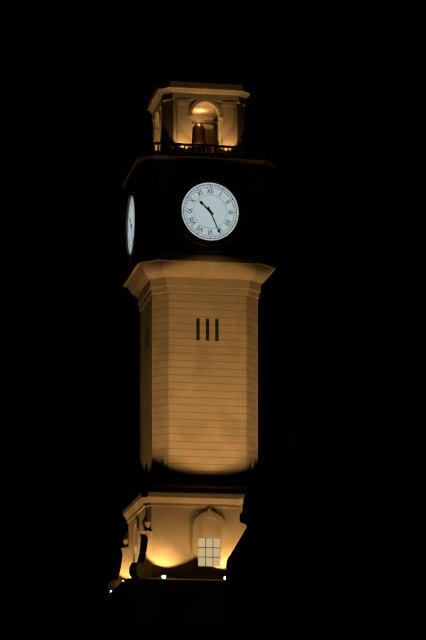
10 h 26 min
